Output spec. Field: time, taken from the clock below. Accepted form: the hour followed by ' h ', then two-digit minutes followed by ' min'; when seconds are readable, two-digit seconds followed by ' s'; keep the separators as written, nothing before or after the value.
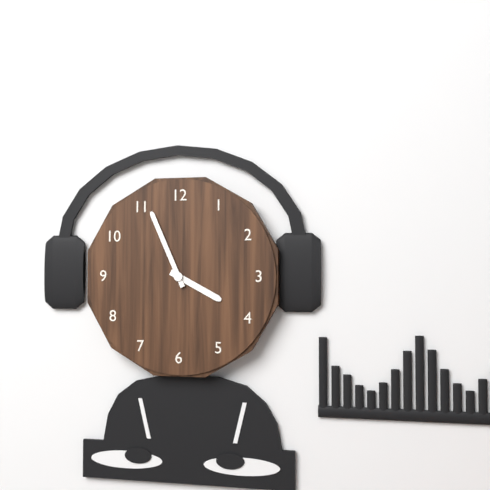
3 h 56 min
